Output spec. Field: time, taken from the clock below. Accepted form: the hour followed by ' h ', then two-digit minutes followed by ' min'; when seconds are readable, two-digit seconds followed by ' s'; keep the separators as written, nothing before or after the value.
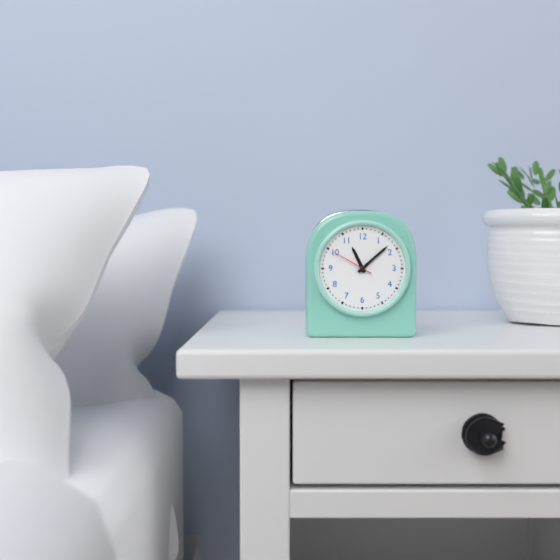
11 h 08 min
